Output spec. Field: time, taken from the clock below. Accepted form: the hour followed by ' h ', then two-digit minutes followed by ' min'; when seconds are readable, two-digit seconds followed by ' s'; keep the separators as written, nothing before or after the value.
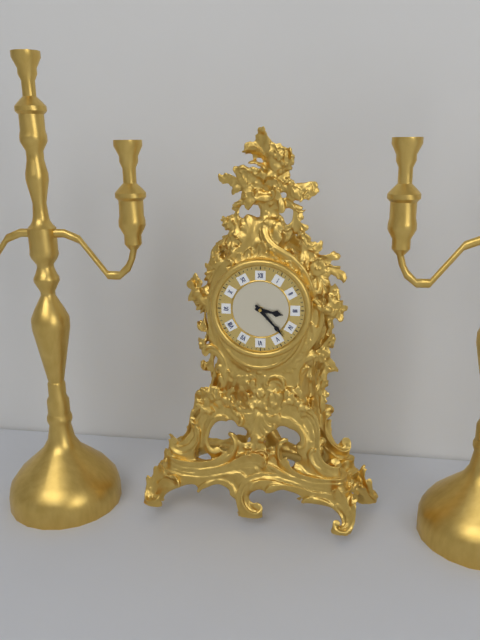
3 h 23 min
